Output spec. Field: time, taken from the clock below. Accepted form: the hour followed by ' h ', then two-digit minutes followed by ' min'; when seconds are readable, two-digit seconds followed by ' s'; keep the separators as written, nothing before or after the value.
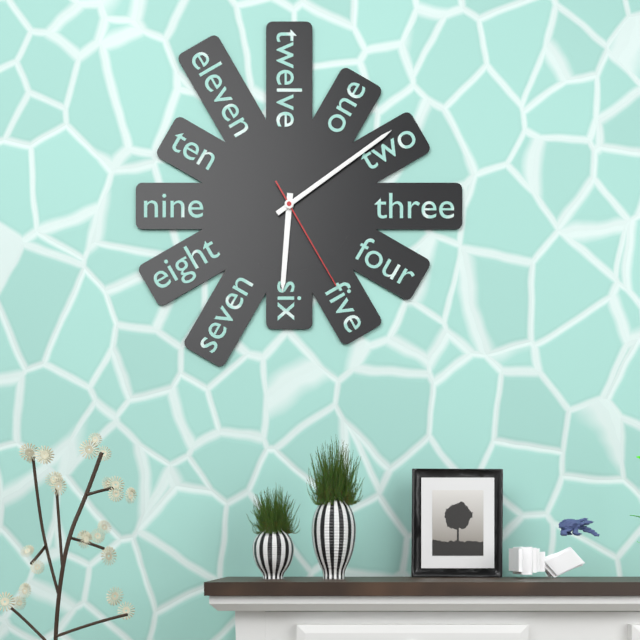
6 h 09 min 25 s
